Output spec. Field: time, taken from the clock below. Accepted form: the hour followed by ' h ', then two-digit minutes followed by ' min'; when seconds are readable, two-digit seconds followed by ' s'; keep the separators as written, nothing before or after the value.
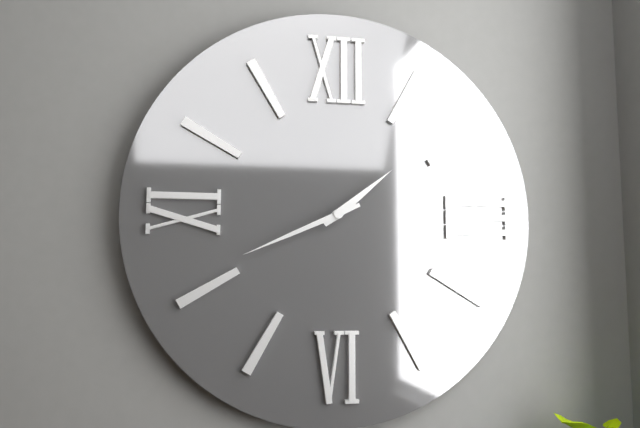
1 h 41 min
